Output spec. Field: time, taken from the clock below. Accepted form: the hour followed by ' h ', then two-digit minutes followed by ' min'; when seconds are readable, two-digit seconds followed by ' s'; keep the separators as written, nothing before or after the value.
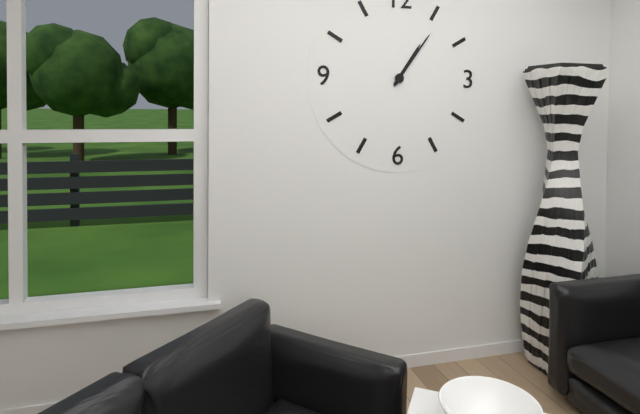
1 h 06 min
